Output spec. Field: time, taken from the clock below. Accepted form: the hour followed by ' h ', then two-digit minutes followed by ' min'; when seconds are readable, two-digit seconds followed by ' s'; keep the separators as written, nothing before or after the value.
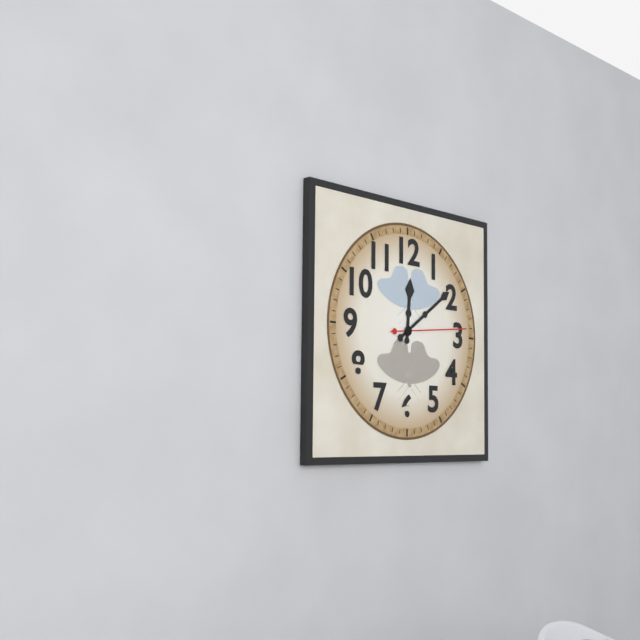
12 h 09 min 14 s
